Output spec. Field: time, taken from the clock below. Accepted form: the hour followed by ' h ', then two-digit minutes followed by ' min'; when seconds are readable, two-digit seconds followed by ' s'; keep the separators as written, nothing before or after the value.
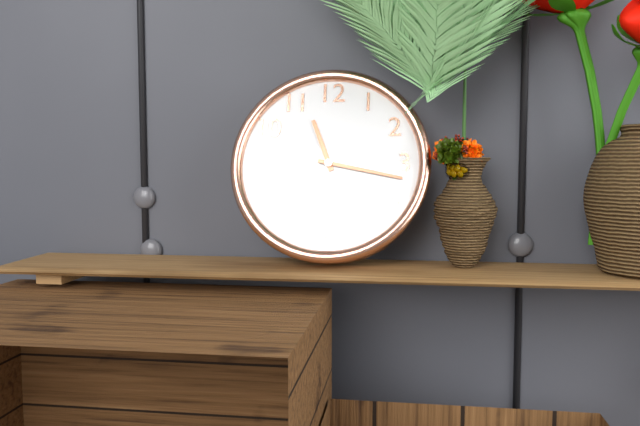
11 h 17 min
